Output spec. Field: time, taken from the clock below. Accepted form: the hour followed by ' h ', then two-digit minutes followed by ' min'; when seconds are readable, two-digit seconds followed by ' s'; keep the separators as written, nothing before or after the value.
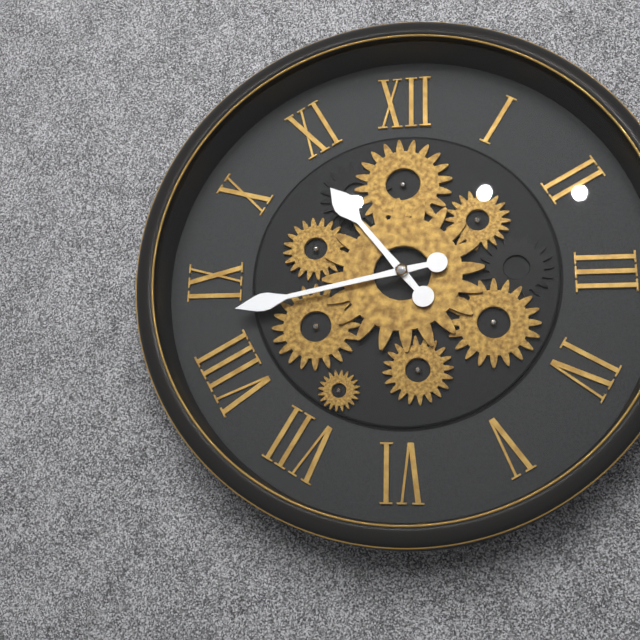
10 h 43 min
